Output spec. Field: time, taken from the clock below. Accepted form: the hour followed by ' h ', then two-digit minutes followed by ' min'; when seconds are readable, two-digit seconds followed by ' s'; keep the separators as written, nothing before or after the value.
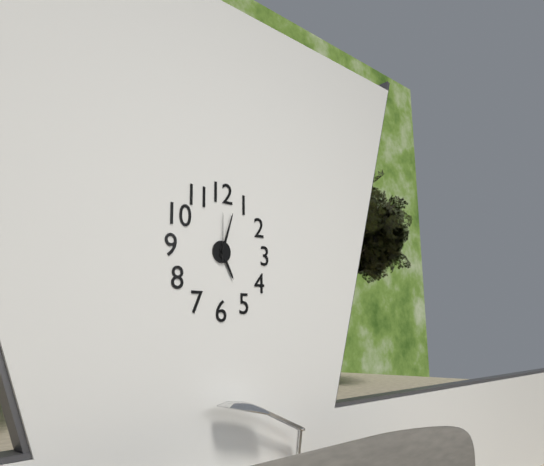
5 h 03 min
